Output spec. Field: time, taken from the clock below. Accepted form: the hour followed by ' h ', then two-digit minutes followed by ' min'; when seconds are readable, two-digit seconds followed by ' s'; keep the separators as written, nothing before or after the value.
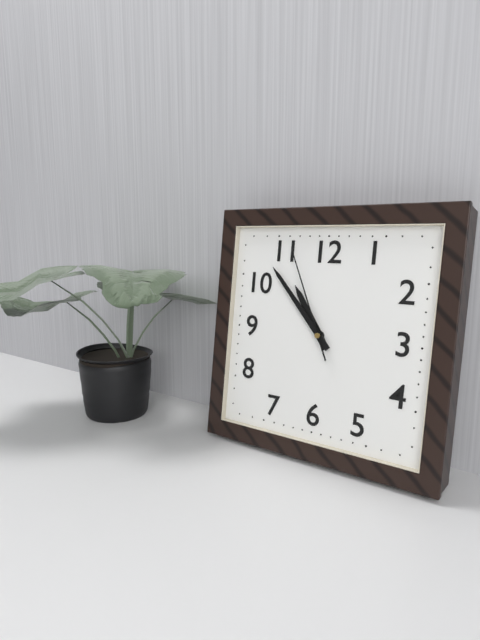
10 h 53 min 56 s
